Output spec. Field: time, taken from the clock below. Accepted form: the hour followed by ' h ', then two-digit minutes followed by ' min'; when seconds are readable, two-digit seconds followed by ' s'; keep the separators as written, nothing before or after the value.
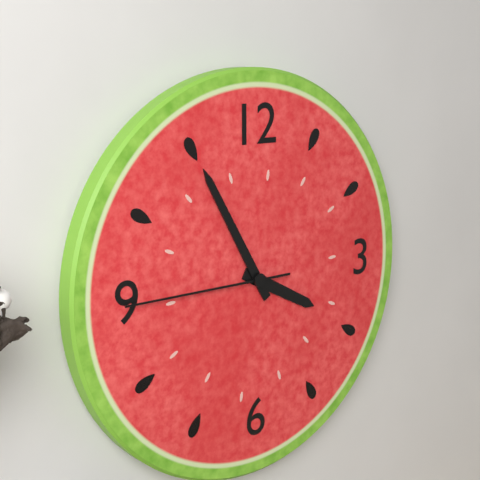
3 h 55 min 45 s
